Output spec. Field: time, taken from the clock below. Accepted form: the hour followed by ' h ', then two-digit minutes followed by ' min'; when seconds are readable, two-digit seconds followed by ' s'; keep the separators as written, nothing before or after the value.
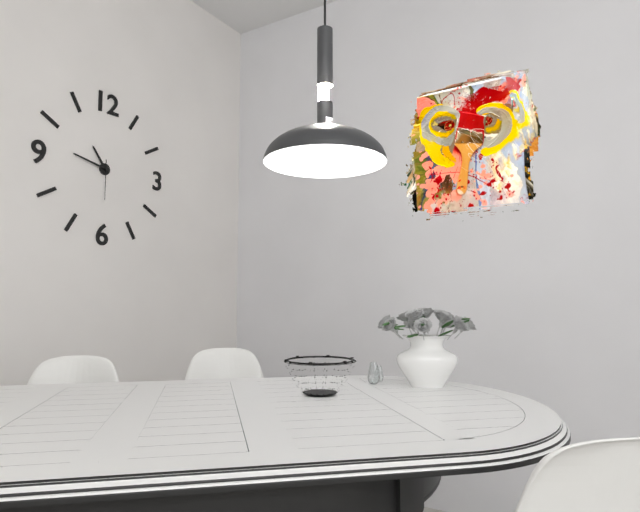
10 h 47 min
